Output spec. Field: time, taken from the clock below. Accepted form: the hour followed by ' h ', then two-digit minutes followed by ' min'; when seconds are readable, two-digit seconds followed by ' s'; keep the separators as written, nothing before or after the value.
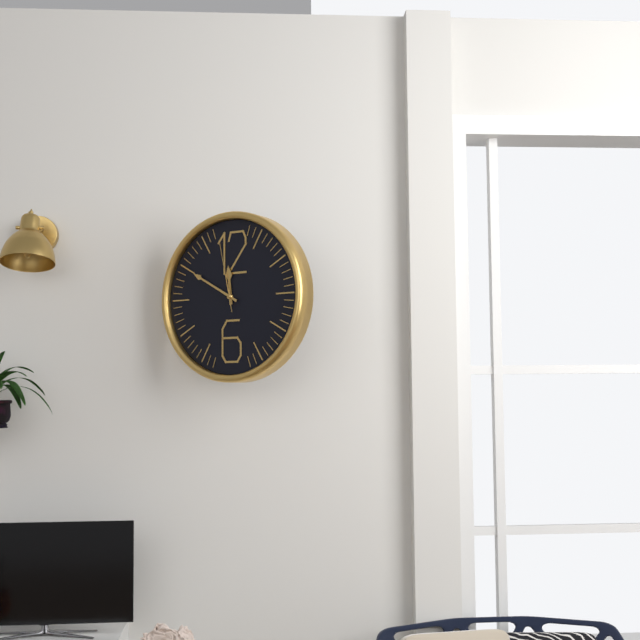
11 h 50 min 58 s
